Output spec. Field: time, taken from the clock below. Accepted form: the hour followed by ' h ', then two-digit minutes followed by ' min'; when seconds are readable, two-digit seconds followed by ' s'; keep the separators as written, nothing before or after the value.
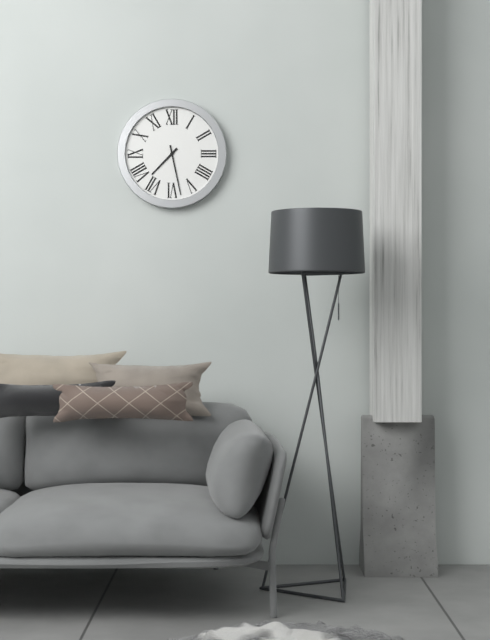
7 h 28 min
